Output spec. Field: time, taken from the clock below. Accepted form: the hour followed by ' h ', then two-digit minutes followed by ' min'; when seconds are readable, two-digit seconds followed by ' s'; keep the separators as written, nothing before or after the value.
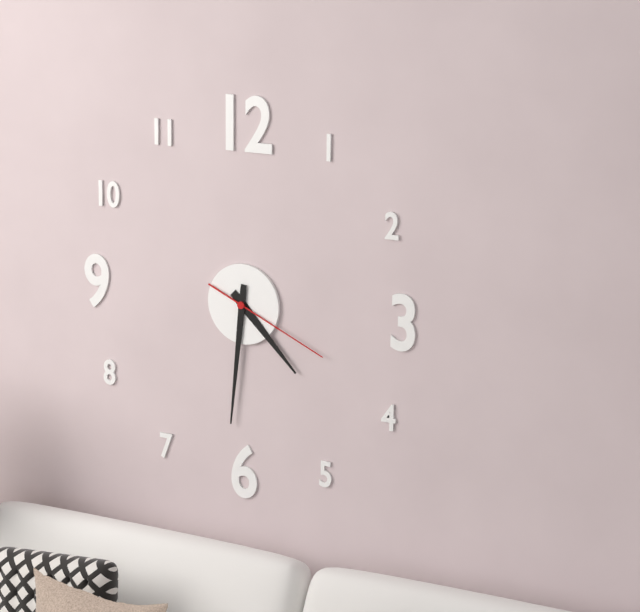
4 h 31 min 19 s
